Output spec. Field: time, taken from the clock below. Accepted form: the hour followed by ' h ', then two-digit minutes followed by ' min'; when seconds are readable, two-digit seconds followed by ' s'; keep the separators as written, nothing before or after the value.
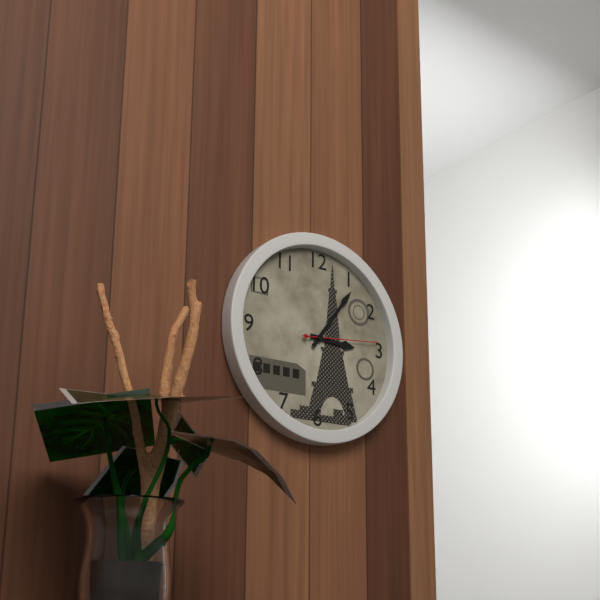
3 h 06 min 14 s
